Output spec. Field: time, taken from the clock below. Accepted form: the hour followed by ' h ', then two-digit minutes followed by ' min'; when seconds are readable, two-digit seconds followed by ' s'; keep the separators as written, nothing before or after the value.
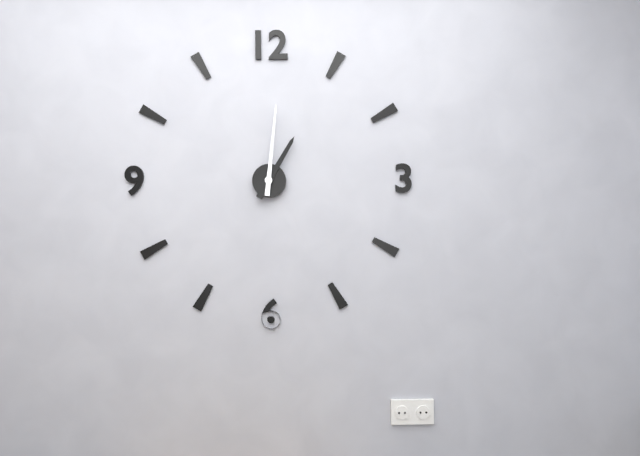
1 h 01 min
